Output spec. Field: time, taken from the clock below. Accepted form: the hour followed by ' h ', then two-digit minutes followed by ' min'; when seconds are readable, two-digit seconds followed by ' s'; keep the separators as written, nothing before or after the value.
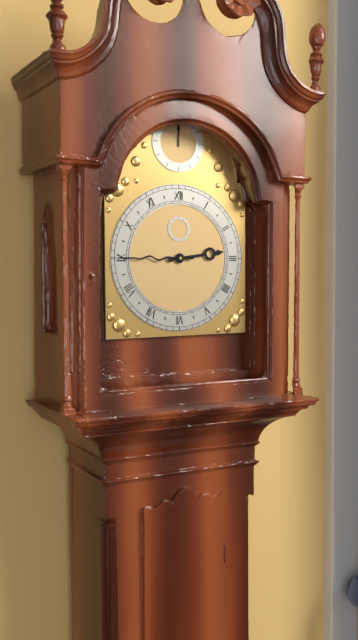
2 h 45 min
